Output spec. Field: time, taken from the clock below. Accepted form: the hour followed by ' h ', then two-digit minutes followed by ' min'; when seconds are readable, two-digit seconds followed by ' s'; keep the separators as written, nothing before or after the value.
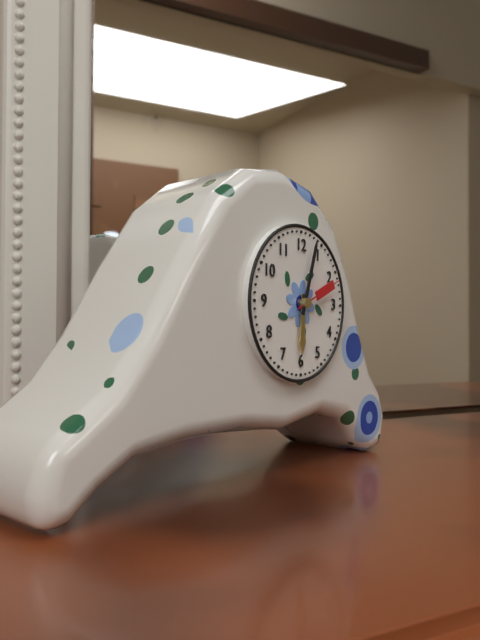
6 h 03 min 11 s
